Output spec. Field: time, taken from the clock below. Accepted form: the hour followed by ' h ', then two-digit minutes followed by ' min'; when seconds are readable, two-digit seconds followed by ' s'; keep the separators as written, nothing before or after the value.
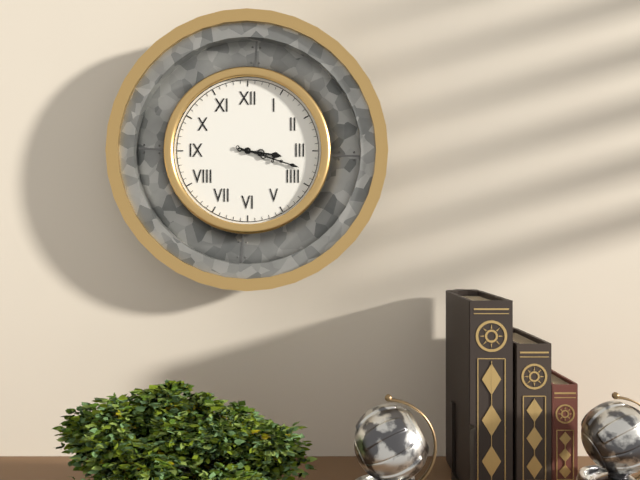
3 h 18 min
